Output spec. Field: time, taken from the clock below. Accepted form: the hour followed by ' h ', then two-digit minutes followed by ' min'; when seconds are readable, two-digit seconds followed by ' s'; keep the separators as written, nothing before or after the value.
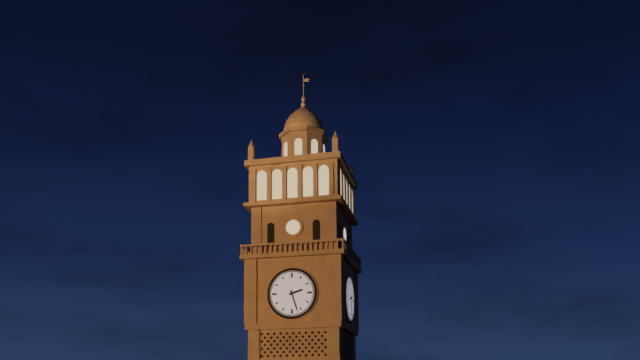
2 h 27 min
